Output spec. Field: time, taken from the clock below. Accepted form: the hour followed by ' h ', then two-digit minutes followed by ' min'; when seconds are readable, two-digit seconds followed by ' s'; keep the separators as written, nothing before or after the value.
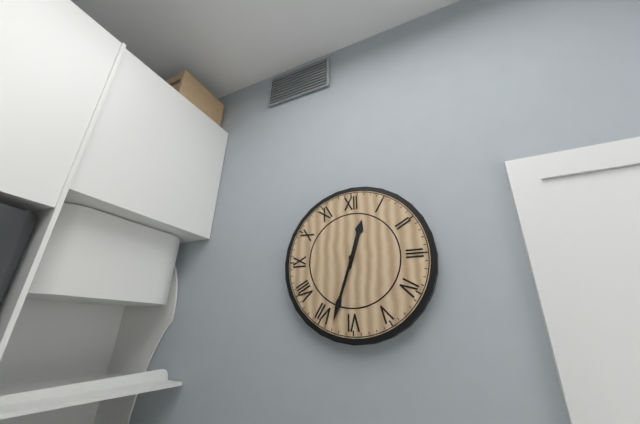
12 h 33 min
